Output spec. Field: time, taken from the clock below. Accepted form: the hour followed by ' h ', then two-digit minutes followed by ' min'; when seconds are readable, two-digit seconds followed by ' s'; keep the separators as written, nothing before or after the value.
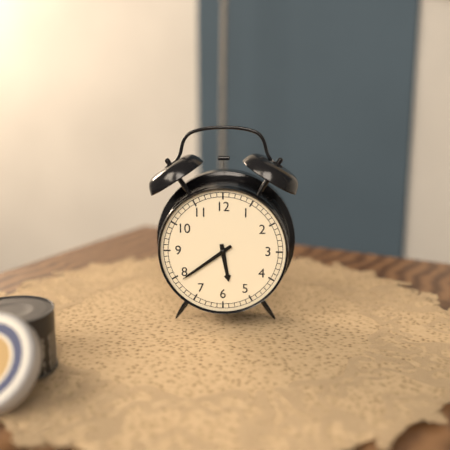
5 h 39 min
